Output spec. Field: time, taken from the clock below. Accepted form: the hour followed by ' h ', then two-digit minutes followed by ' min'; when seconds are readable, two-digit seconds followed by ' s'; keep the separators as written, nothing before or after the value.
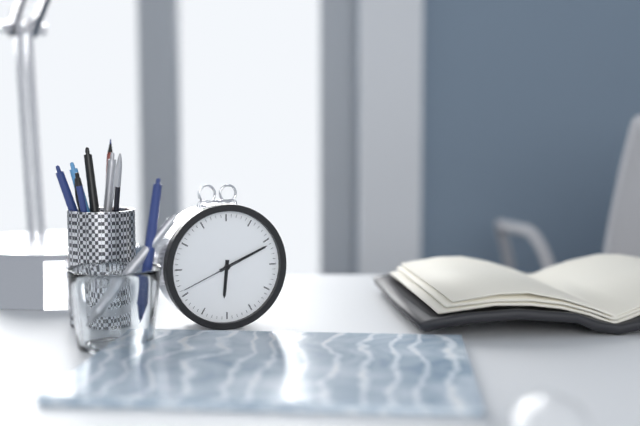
6 h 11 min 41 s
